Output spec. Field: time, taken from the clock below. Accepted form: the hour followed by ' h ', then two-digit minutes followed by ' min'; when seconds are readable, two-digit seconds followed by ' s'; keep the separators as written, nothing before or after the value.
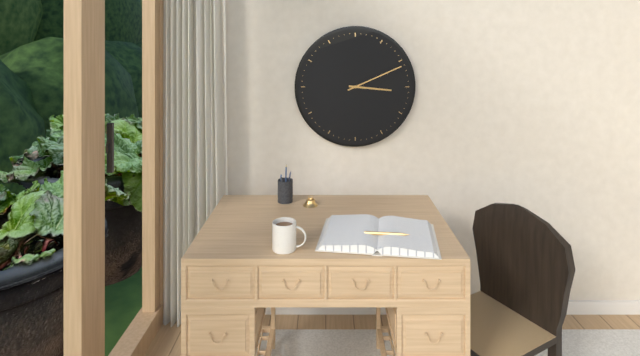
3 h 11 min
